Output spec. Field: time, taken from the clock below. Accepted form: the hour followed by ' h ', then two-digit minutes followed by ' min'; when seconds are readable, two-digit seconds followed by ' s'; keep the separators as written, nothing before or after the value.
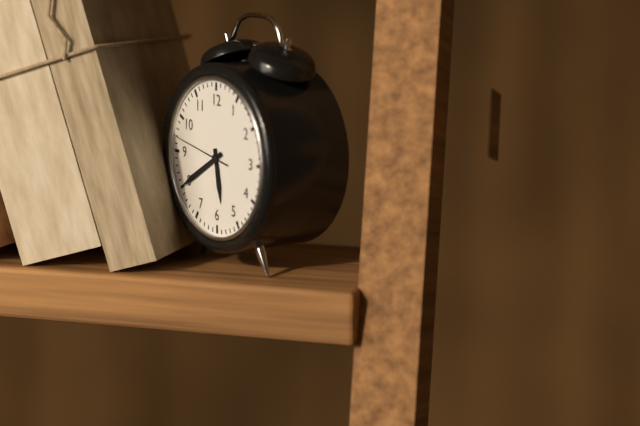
5 h 40 min 47 s
